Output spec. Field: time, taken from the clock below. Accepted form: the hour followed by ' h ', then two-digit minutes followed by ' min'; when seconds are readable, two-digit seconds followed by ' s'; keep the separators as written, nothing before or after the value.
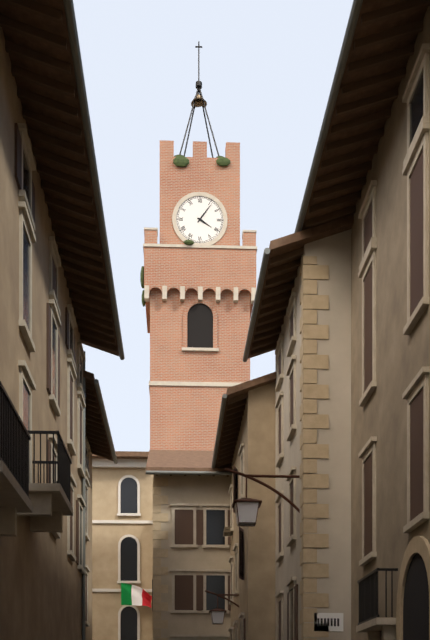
4 h 06 min
